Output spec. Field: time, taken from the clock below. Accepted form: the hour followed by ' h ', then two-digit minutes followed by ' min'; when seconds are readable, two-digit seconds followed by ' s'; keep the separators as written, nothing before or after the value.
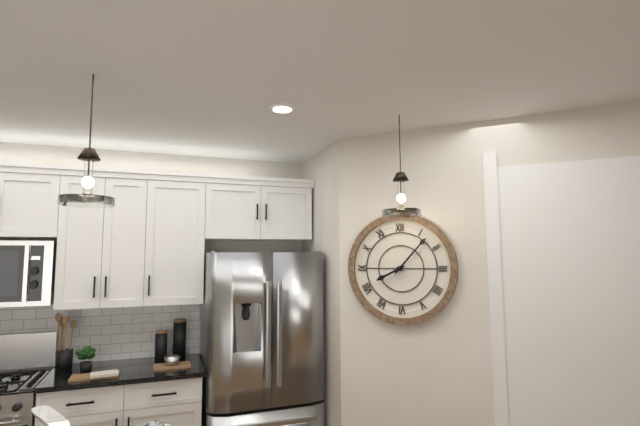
8 h 07 min
